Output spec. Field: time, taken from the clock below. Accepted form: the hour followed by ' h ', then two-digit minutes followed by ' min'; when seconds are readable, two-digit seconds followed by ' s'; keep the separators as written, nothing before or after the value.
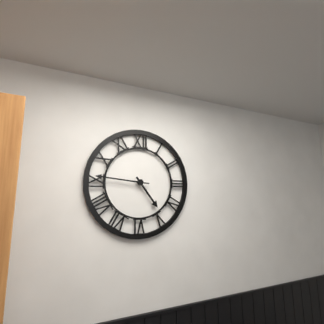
4 h 46 min
